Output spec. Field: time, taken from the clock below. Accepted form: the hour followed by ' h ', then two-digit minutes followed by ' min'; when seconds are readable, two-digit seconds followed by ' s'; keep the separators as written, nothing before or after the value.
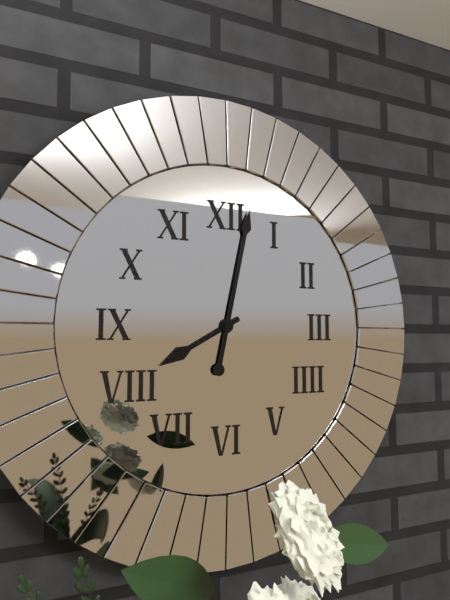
8 h 02 min
